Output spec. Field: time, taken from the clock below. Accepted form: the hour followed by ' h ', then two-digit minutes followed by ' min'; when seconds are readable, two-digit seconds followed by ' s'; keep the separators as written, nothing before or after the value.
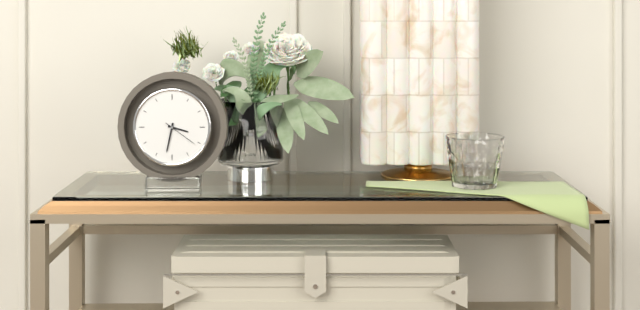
3 h 32 min
